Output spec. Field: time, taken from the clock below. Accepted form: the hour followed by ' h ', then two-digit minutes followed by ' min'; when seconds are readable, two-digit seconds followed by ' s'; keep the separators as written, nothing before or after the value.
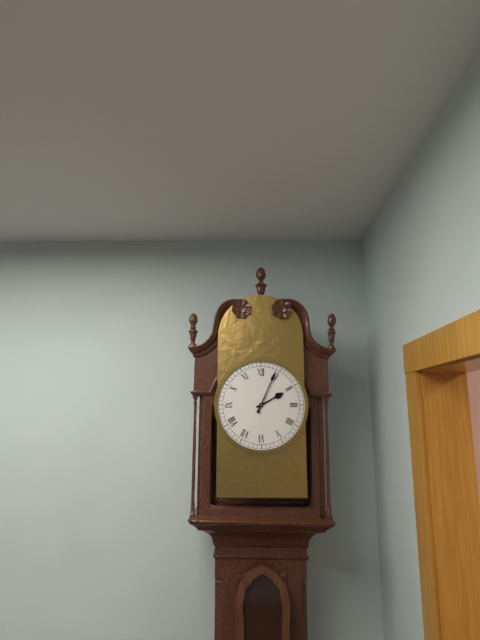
2 h 04 min
